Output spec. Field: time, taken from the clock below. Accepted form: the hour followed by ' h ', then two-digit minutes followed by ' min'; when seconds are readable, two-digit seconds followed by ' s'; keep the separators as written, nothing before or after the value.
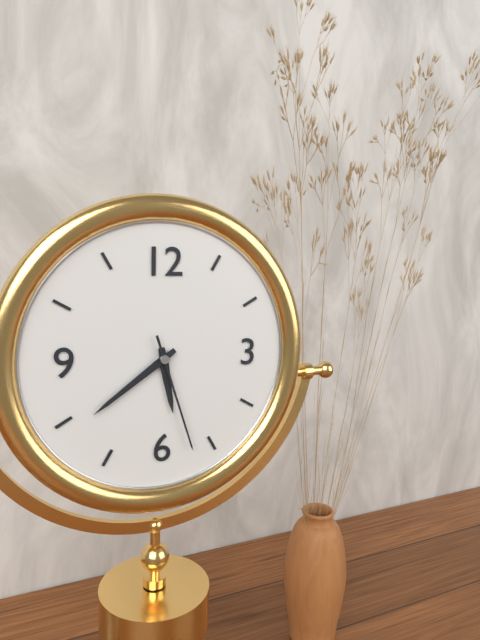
5 h 39 min 27 s
